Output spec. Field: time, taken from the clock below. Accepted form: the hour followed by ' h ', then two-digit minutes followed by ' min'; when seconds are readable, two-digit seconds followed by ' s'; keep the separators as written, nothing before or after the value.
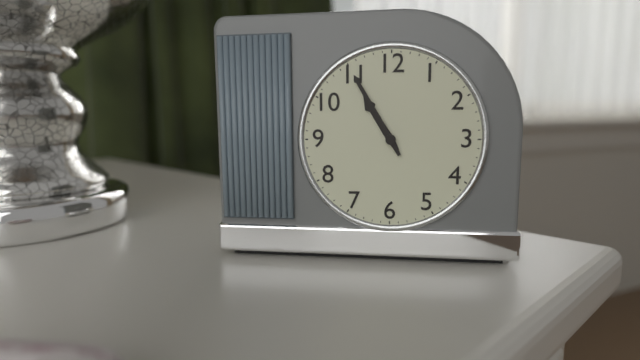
10 h 55 min
